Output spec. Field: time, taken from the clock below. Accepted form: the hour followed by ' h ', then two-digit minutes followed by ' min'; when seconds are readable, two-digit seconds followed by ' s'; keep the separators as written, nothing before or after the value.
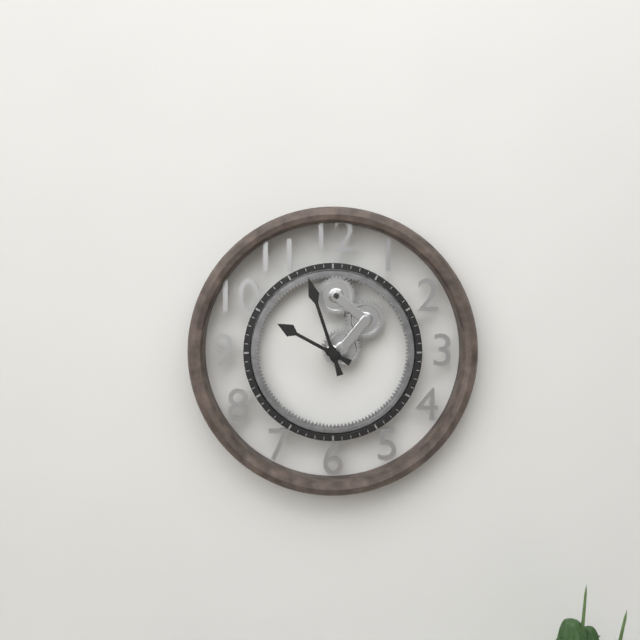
9 h 57 min
